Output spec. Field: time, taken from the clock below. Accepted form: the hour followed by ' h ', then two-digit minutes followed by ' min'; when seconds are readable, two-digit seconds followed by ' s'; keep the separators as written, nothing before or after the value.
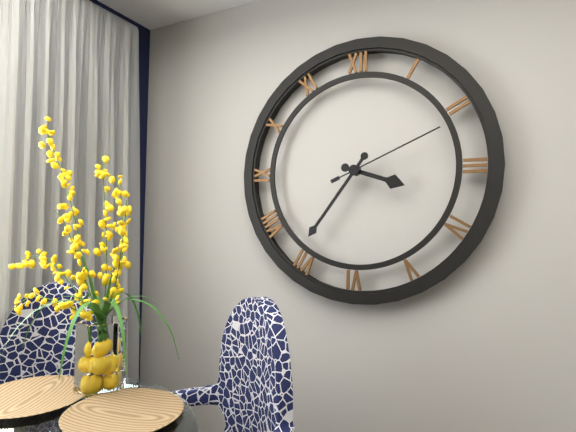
3 h 36 min 11 s
